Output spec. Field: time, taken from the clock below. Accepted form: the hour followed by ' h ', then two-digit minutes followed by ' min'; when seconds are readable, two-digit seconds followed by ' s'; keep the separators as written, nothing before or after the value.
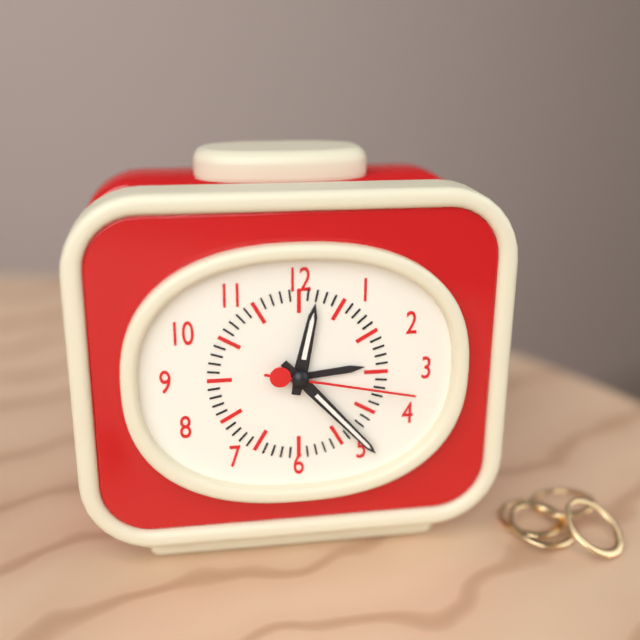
12 h 23 min 17 s
